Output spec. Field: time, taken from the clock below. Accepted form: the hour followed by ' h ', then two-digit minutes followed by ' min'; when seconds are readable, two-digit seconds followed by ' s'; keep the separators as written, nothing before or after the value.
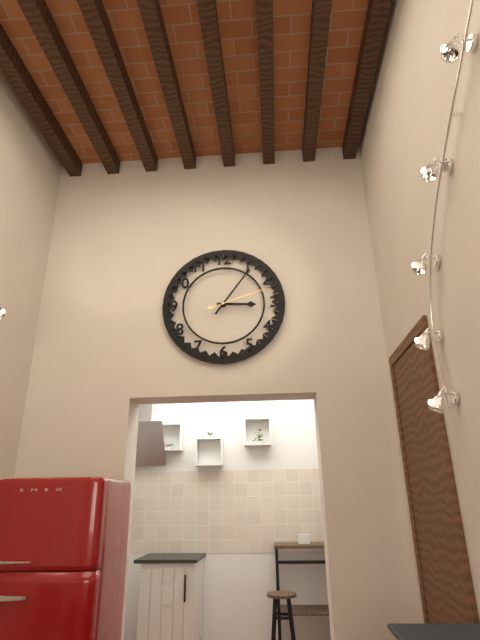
3 h 06 min 12 s
